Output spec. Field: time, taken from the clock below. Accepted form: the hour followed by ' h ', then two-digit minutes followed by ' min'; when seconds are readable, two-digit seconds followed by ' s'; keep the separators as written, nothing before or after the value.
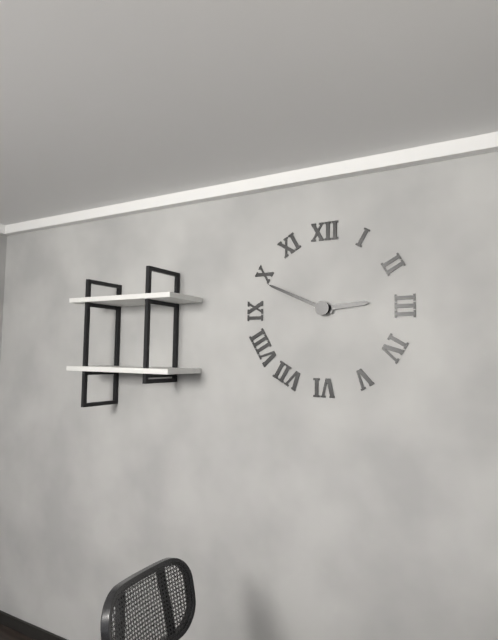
2 h 49 min
